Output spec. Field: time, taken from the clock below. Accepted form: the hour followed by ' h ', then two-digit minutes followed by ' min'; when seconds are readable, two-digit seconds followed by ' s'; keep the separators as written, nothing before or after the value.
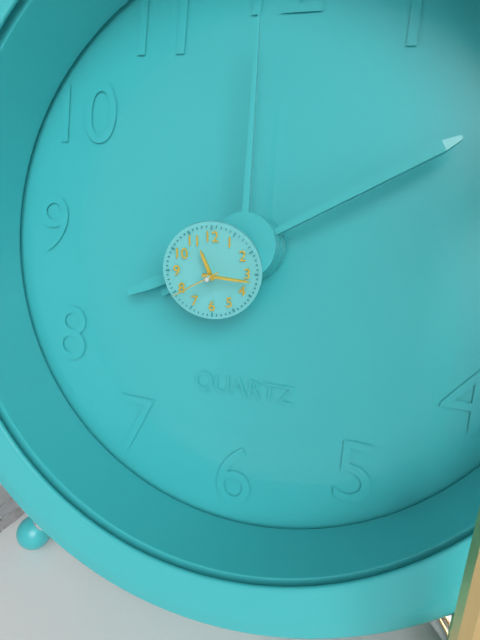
11 h 16 min 40 s
